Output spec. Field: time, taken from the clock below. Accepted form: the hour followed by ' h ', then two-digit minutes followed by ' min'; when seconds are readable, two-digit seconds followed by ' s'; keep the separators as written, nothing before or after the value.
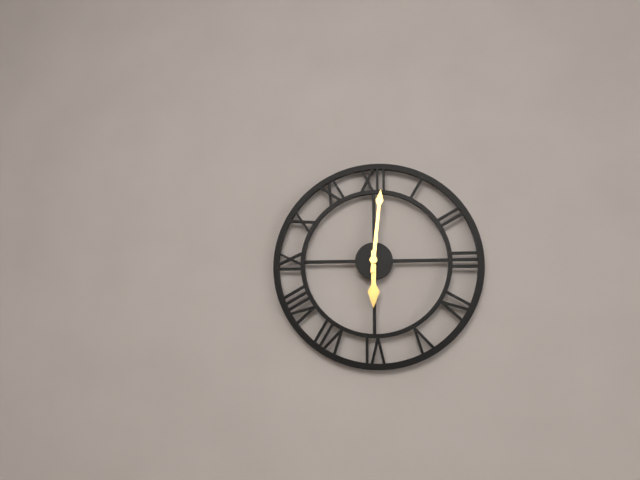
6 h 01 min
